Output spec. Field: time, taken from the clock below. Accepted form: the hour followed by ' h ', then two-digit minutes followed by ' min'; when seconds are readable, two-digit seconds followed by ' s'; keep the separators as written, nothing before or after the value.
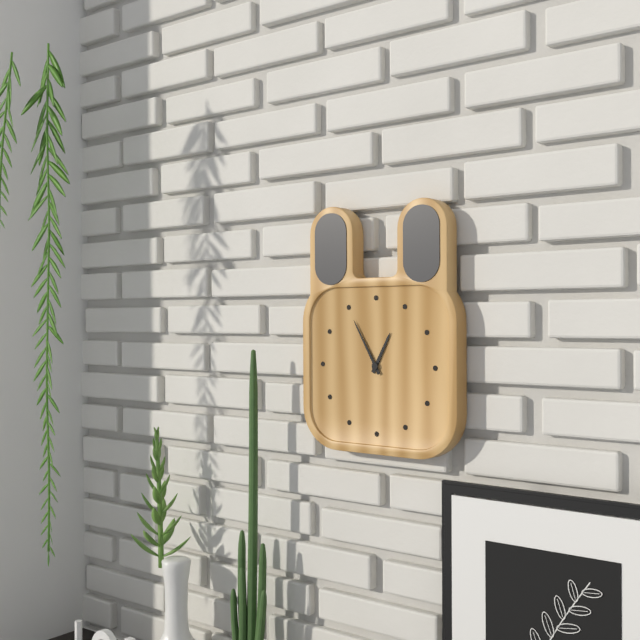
12 h 55 min
